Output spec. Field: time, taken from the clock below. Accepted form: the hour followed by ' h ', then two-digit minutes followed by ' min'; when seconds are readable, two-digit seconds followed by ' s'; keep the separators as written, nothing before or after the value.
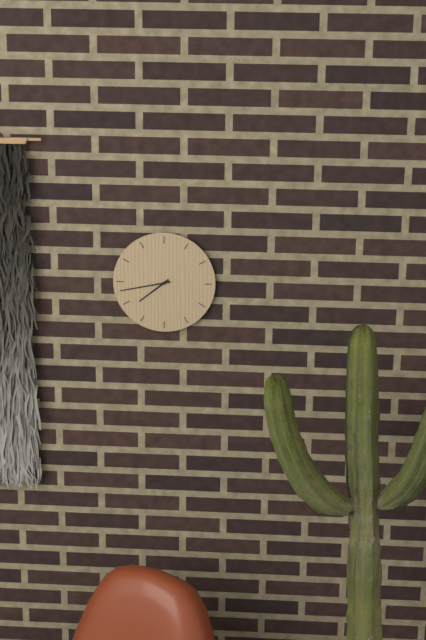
7 h 43 min
